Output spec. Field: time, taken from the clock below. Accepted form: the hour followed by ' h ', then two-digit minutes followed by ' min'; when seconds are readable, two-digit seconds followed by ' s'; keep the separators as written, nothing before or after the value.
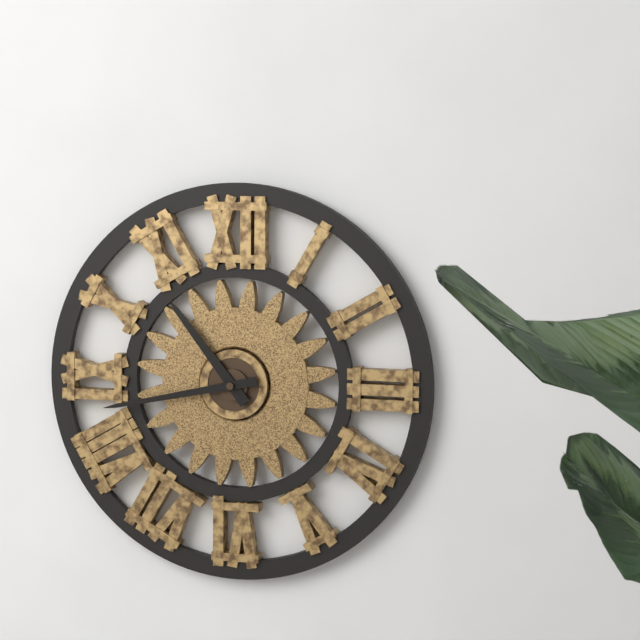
10 h 43 min
